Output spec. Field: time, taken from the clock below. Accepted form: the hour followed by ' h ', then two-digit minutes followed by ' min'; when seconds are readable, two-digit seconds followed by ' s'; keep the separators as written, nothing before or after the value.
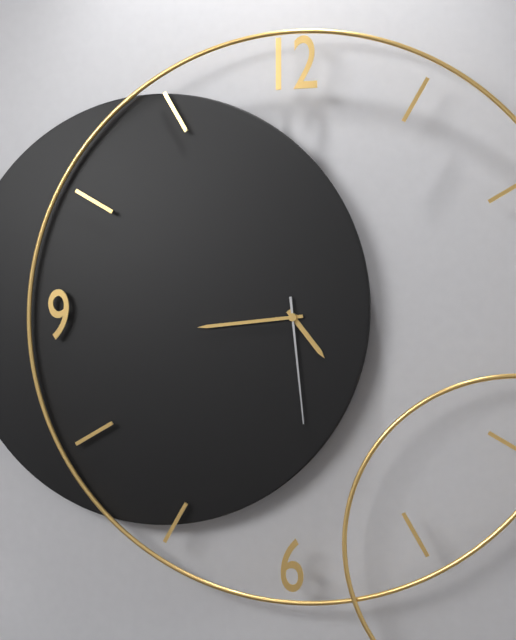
4 h 44 min 29 s
